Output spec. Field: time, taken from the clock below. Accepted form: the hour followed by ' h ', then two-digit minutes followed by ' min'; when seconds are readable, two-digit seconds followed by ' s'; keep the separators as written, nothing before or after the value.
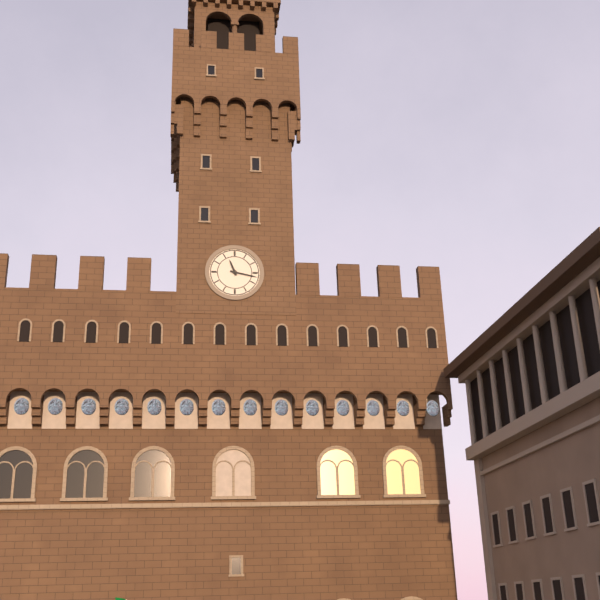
11 h 17 min
